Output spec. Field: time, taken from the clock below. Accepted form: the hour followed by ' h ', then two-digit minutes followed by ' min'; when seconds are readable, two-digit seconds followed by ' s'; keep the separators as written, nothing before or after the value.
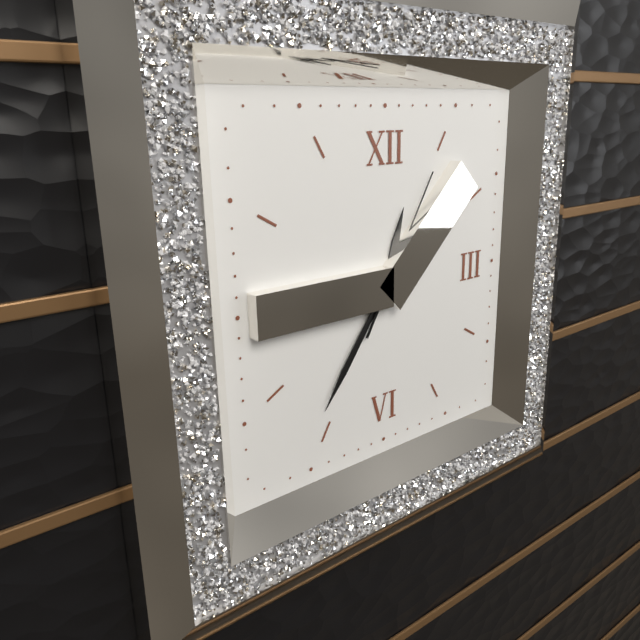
12 h 36 min 05 s
